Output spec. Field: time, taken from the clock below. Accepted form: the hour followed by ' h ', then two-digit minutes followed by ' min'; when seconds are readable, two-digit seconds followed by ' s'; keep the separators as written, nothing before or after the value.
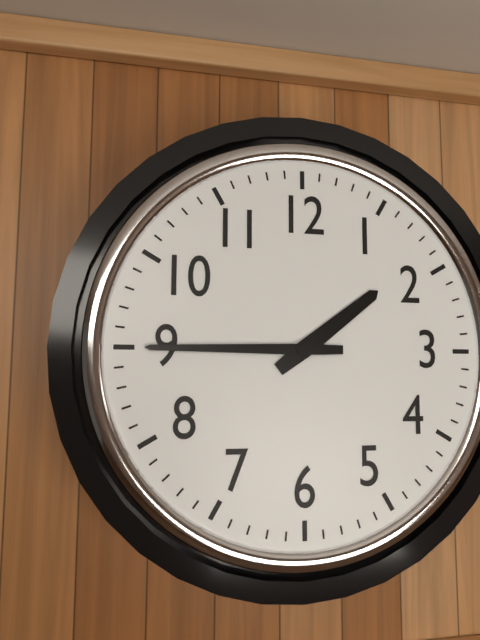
1 h 45 min
